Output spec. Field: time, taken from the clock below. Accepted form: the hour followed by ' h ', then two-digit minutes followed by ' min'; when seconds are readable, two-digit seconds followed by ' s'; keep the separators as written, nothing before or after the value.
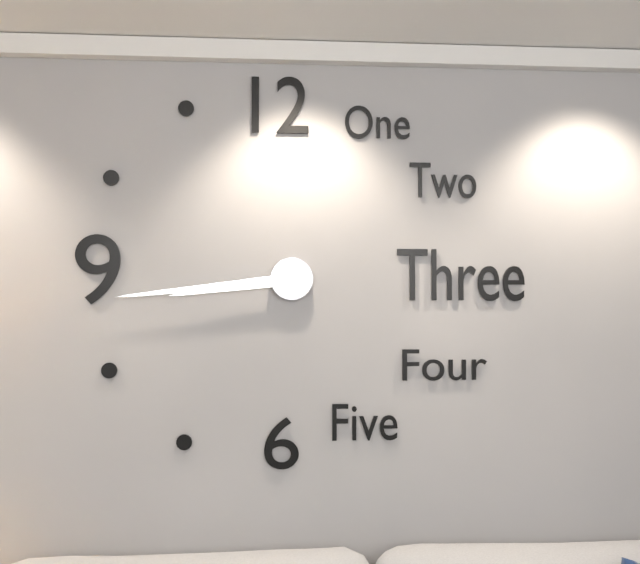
8 h 44 min
